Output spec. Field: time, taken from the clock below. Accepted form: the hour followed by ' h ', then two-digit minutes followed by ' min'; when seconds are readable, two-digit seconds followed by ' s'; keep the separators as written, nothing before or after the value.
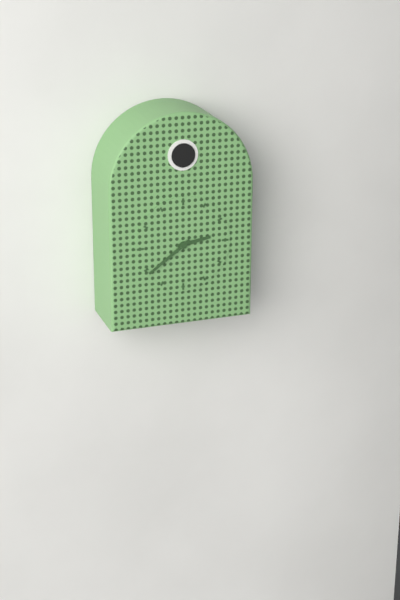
2 h 39 min
